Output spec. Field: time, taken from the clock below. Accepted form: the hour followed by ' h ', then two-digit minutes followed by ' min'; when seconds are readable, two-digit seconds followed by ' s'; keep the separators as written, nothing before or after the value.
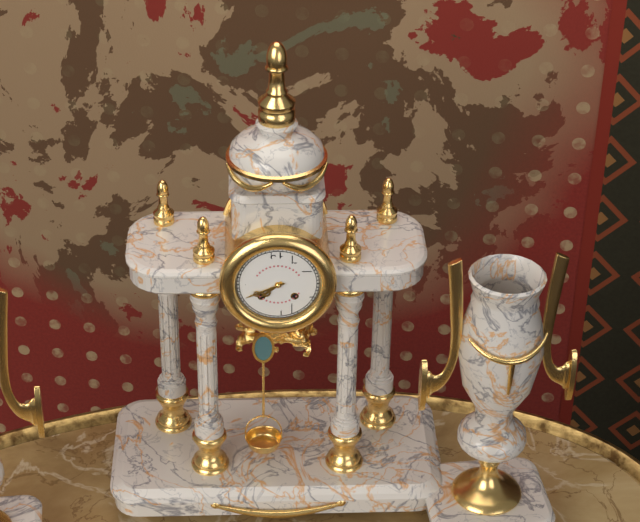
7 h 41 min
